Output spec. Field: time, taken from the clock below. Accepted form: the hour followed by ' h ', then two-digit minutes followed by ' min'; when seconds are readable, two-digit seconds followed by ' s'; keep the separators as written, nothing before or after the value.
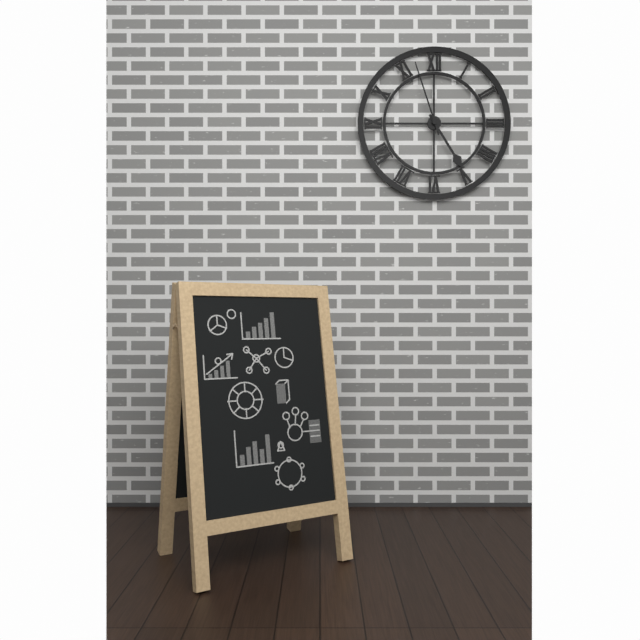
4 h 57 min
